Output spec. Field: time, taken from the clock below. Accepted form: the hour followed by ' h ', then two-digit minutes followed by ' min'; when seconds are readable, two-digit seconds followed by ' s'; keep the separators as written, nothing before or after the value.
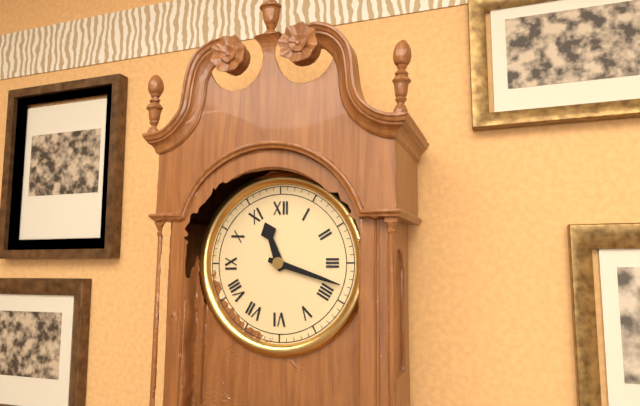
11 h 18 min
